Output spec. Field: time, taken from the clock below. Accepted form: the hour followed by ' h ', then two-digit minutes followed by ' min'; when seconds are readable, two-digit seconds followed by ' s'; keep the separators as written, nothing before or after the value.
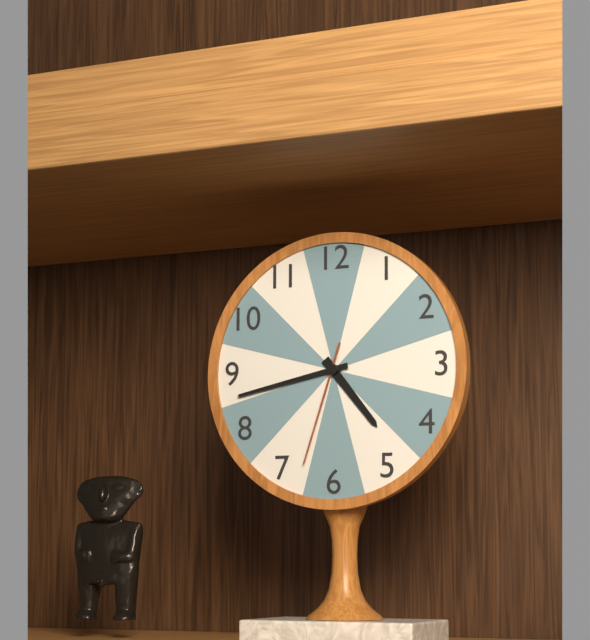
4 h 43 min 33 s
